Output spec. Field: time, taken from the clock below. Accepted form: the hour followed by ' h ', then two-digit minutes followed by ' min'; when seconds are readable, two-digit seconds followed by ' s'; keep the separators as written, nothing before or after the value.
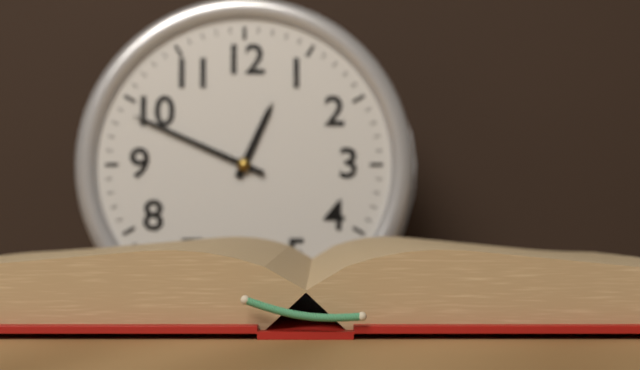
12 h 49 min
